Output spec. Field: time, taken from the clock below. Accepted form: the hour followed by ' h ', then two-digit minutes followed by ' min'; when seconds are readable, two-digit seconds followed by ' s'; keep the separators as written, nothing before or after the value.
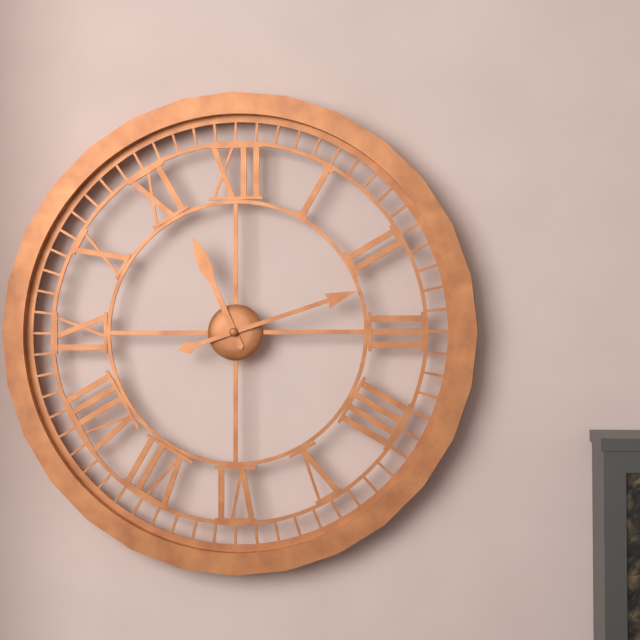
11 h 12 min
